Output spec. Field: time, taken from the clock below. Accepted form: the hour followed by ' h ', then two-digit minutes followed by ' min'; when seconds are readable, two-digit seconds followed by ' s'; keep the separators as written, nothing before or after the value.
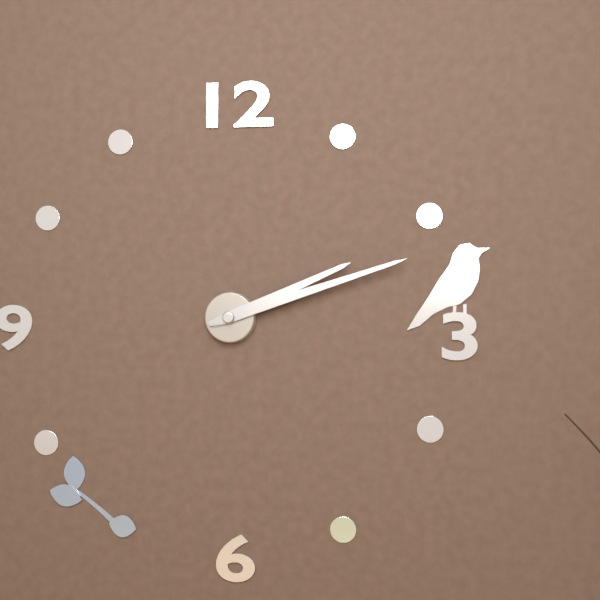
2 h 12 min
